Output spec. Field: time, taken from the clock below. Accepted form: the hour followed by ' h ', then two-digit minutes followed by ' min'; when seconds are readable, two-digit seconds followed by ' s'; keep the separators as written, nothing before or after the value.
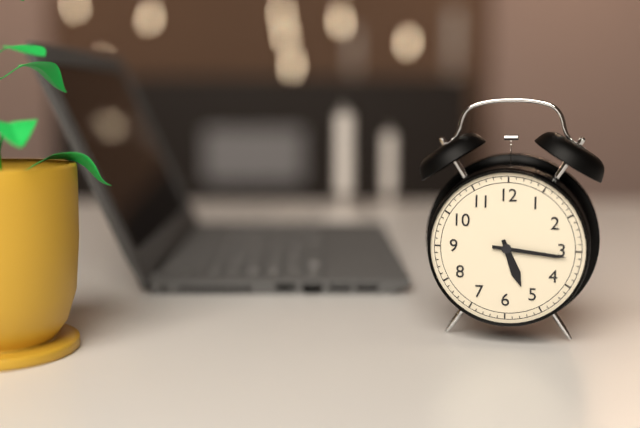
5 h 16 min
